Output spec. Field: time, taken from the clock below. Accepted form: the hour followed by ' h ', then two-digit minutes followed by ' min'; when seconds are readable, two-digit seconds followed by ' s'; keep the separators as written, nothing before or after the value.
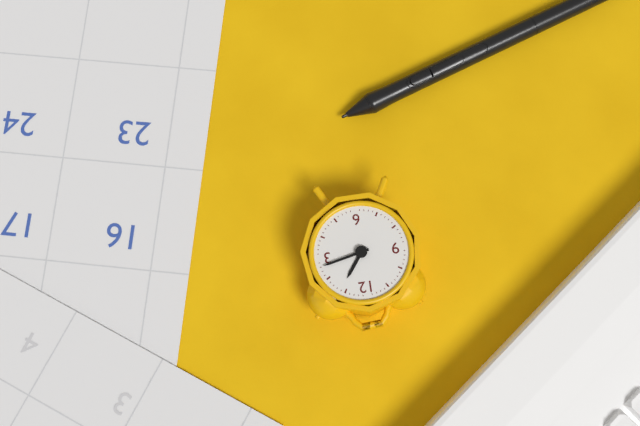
1 h 13 min
